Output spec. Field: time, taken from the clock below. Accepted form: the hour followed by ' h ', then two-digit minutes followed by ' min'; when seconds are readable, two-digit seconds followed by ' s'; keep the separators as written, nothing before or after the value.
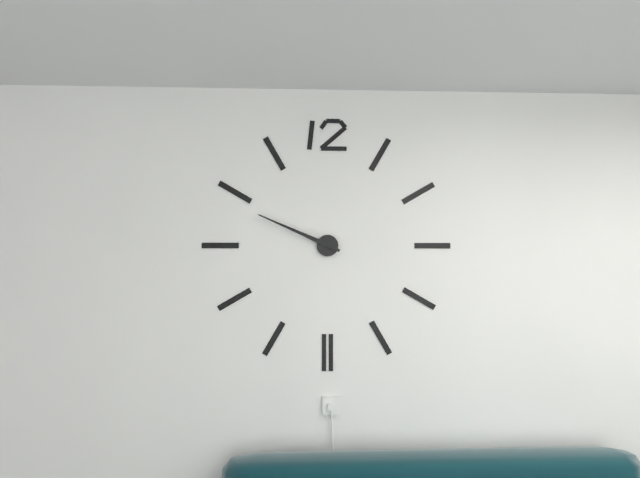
9 h 49 min
